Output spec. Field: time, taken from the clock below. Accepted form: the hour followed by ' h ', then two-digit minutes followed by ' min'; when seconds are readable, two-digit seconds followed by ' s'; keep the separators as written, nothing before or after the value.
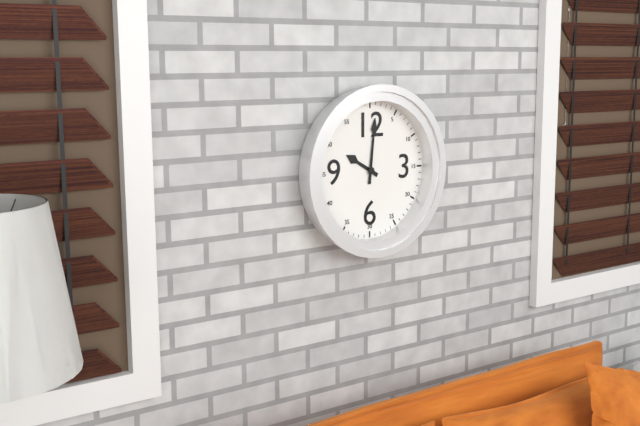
10 h 01 min
